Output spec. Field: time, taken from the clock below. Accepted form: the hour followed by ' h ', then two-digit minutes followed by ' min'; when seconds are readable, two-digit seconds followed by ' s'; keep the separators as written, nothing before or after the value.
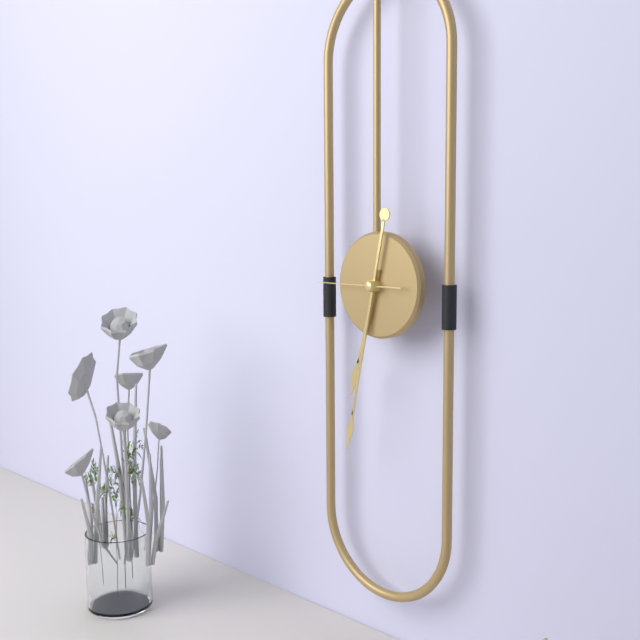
6 h 32 min 45 s
